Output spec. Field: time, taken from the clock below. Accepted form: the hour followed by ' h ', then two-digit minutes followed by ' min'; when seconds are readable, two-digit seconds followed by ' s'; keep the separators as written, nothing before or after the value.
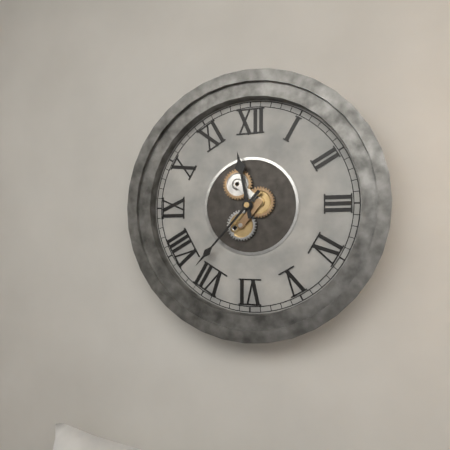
11 h 37 min
